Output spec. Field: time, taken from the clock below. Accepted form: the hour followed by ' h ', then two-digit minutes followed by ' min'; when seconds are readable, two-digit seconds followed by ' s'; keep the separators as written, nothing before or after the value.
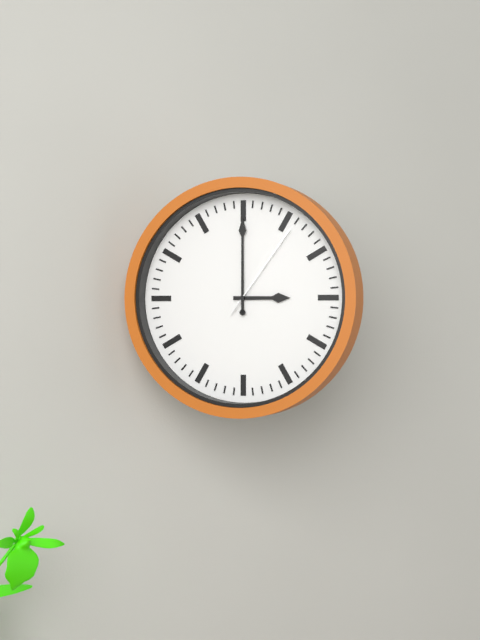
3 h 00 min 06 s
